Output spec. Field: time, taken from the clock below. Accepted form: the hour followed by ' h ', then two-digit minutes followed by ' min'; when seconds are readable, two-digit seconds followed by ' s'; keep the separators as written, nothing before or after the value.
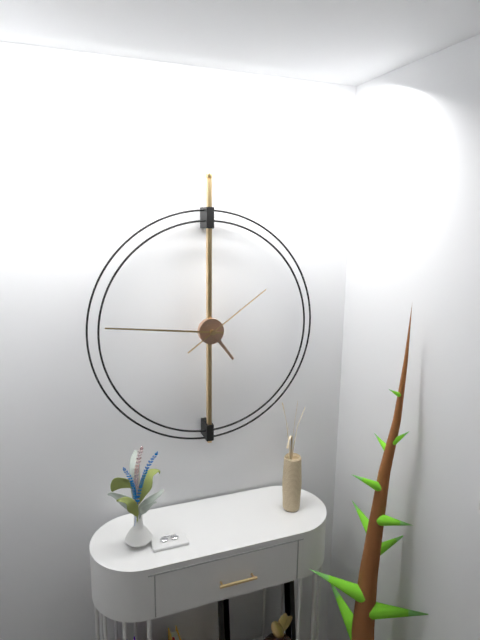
4 h 46 min 09 s
